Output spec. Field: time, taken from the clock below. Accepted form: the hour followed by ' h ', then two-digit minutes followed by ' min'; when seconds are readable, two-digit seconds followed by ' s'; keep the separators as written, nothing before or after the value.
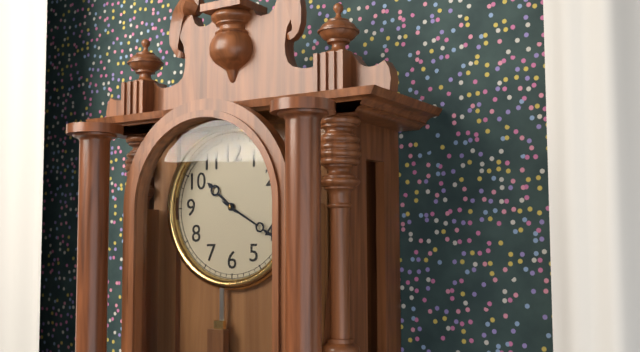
10 h 20 min
